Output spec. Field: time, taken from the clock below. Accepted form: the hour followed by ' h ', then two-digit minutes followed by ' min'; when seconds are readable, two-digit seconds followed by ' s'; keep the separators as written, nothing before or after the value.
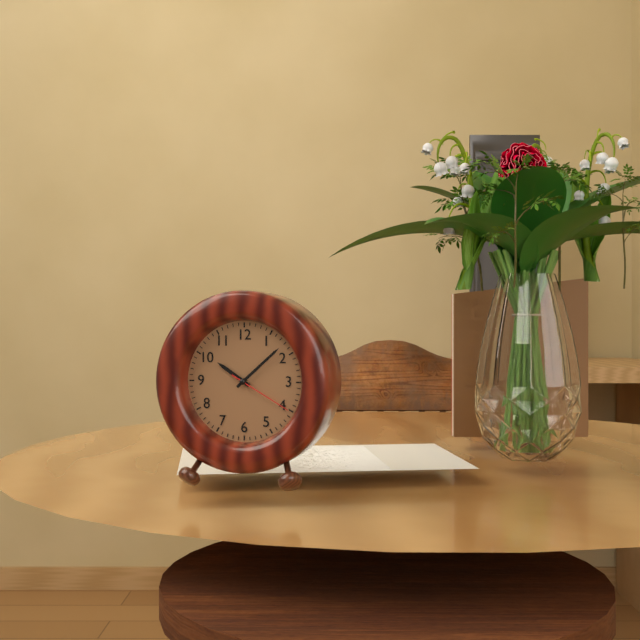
10 h 08 min 20 s
